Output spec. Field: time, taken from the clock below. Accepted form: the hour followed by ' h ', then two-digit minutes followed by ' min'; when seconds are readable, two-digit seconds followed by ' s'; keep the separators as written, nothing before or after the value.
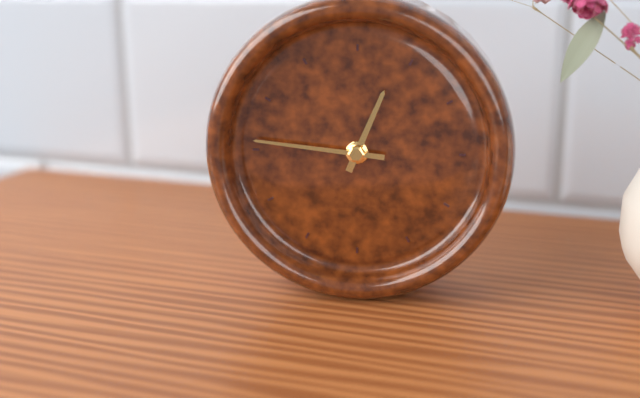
12 h 46 min
